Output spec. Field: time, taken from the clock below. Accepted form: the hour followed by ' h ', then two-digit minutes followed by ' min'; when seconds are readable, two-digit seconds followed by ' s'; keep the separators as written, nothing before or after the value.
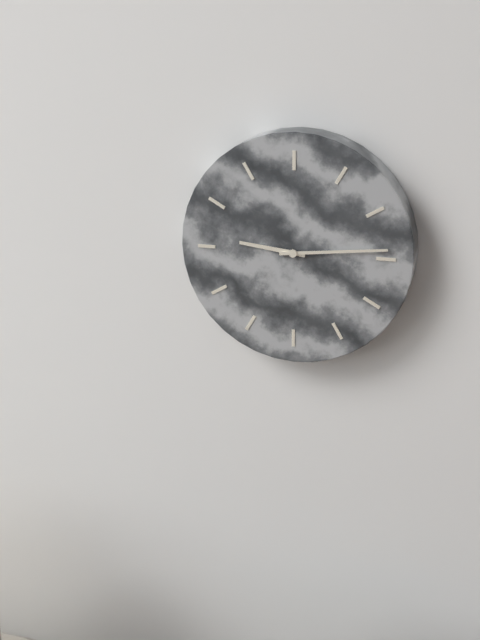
9 h 14 min
